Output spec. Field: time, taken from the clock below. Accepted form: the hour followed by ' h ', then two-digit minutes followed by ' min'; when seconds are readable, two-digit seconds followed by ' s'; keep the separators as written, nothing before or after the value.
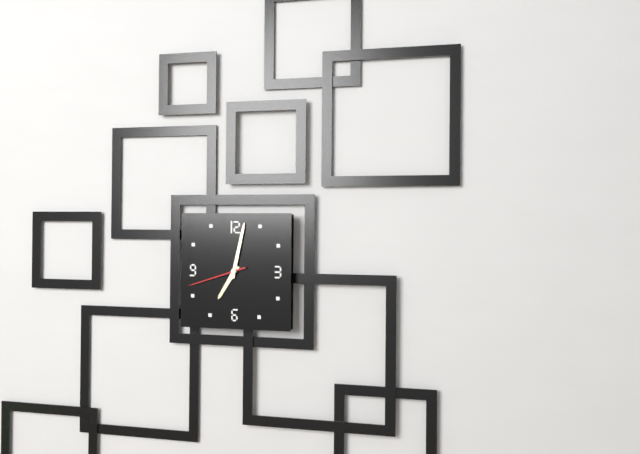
7 h 02 min 42 s
